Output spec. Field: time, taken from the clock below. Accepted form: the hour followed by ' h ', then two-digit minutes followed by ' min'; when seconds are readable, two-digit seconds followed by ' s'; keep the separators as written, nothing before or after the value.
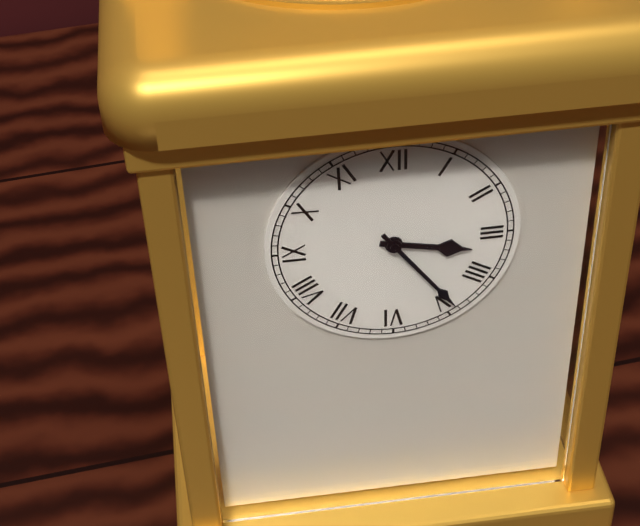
3 h 24 min
